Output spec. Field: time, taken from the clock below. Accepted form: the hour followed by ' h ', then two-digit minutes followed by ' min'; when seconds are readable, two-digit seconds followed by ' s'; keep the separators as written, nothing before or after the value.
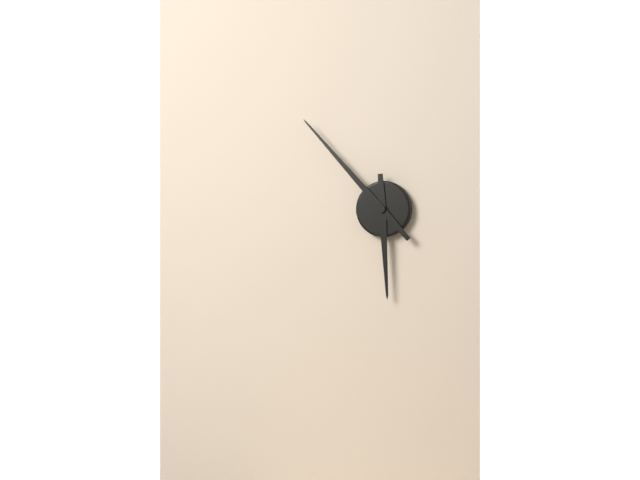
5 h 53 min
